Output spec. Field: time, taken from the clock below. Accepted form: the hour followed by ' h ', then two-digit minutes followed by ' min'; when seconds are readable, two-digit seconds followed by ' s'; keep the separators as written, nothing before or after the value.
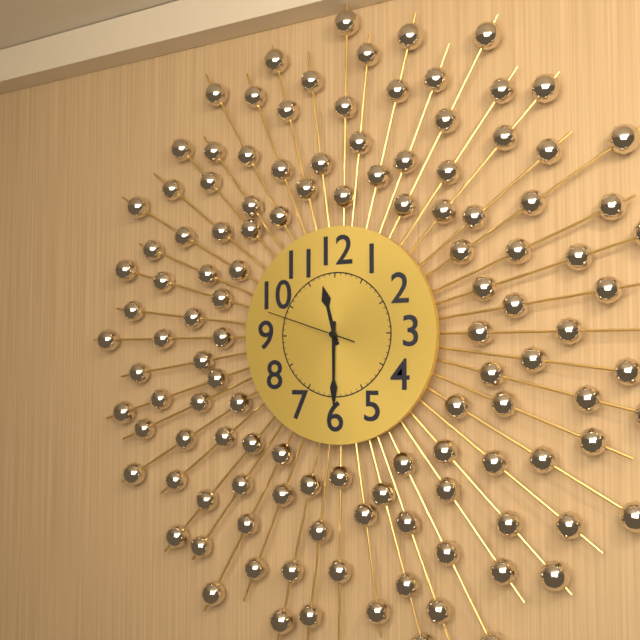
11 h 30 min 48 s
